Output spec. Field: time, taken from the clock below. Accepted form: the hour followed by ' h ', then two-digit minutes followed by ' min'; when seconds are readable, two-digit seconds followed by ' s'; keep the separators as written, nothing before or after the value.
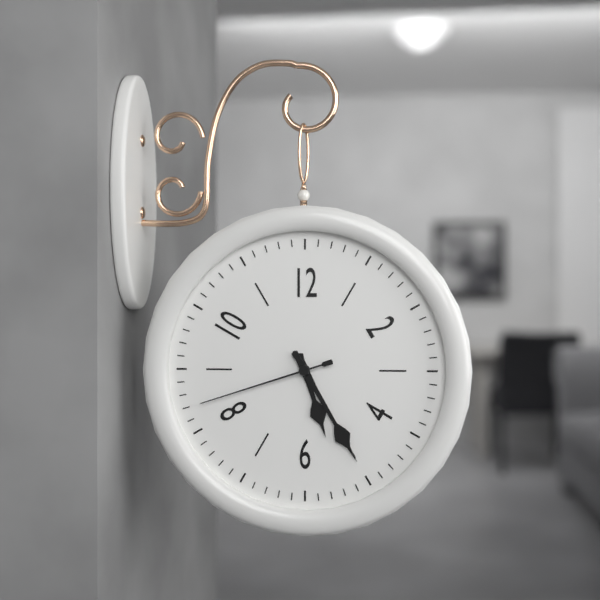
5 h 25 min 42 s
